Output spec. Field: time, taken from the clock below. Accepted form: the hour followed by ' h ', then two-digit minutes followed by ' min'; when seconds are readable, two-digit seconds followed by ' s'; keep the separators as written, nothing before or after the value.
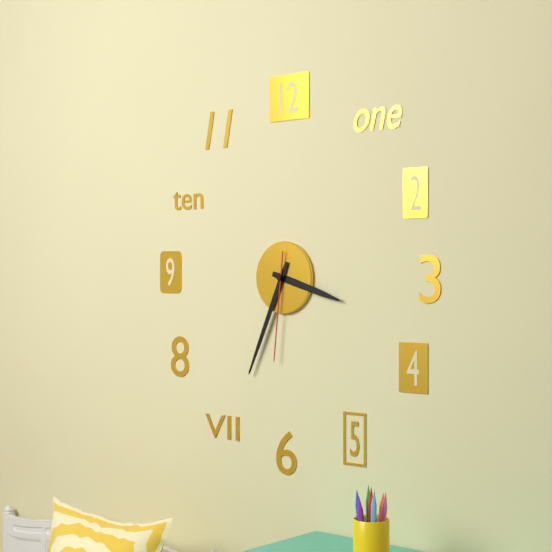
3 h 34 min 31 s
